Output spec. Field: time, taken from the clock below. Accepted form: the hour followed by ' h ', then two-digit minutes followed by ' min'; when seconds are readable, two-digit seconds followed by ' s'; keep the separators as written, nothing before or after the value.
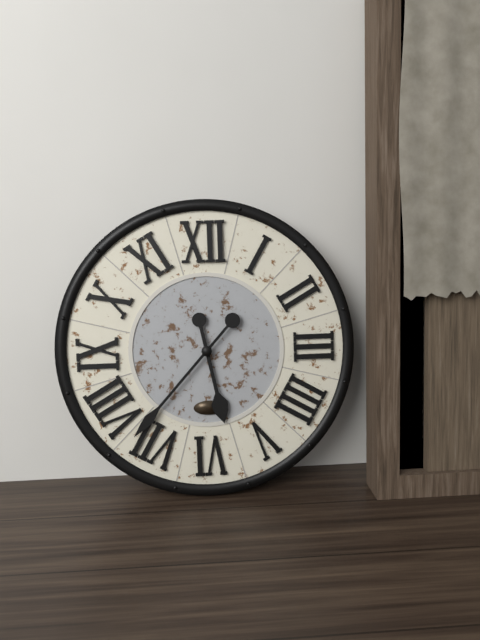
5 h 37 min
